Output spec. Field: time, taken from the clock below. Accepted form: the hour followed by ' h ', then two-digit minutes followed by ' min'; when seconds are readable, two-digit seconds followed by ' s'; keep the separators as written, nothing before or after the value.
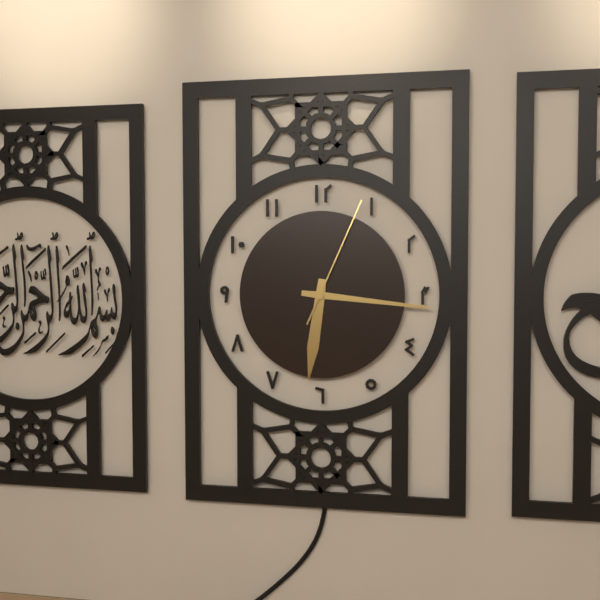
6 h 16 min 04 s
